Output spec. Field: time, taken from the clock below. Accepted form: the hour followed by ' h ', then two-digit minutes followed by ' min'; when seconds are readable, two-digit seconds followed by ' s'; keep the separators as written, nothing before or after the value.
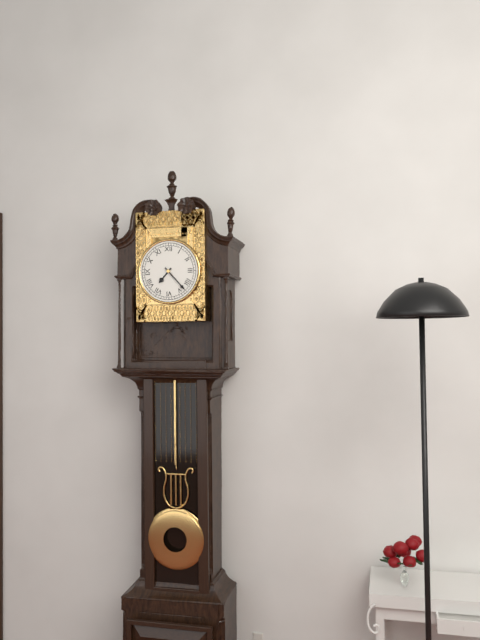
7 h 23 min
